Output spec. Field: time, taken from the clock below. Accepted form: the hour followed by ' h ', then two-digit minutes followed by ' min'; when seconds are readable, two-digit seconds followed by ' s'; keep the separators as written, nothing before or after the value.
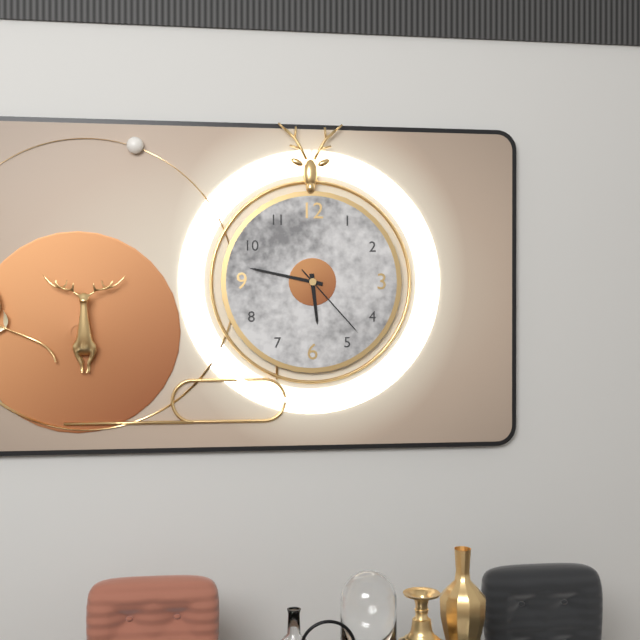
5 h 47 min 23 s
